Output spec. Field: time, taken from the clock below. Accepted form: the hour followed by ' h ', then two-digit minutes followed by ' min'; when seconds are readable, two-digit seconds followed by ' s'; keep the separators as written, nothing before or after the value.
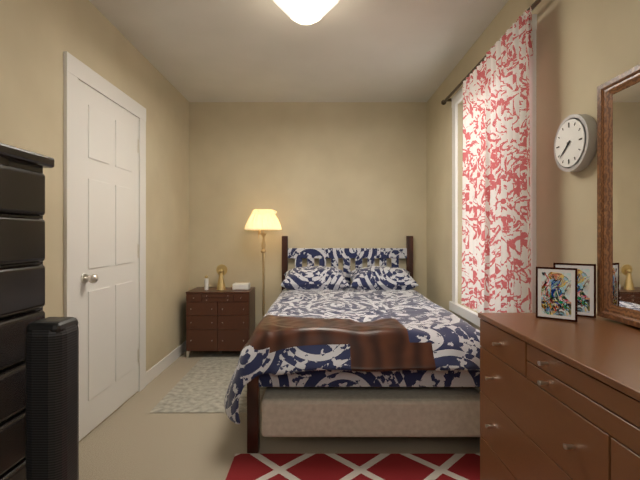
7 h 38 min
